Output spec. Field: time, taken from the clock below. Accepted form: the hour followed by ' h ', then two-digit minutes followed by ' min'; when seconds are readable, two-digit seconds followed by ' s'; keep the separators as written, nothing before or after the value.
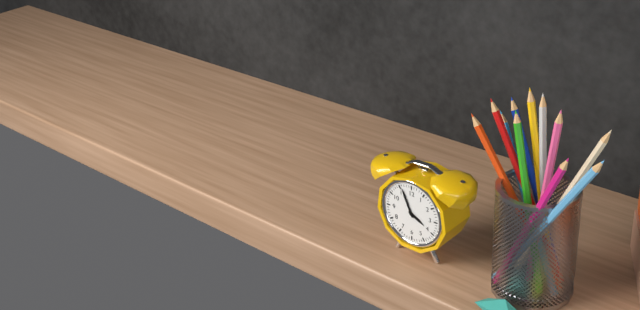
3 h 56 min
